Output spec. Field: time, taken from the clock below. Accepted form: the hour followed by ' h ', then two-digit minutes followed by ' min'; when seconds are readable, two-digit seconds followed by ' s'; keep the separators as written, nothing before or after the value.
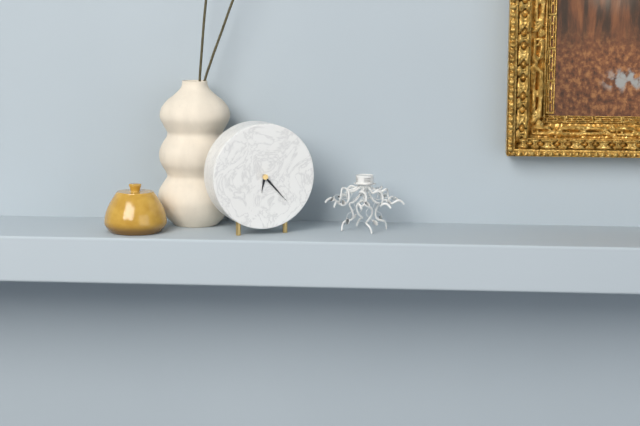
6 h 23 min
